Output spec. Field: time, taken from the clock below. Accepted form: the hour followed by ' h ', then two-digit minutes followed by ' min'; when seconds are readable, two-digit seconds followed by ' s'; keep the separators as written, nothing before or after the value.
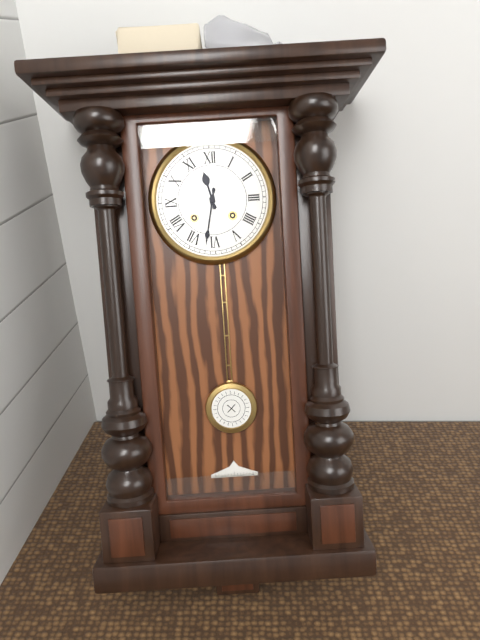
11 h 32 min
